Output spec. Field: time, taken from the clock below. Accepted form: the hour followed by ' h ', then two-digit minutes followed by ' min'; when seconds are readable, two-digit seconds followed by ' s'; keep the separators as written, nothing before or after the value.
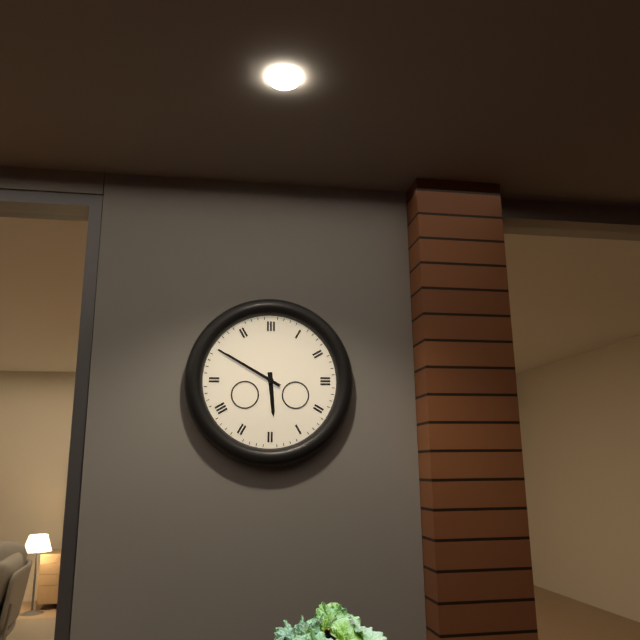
5 h 50 min
